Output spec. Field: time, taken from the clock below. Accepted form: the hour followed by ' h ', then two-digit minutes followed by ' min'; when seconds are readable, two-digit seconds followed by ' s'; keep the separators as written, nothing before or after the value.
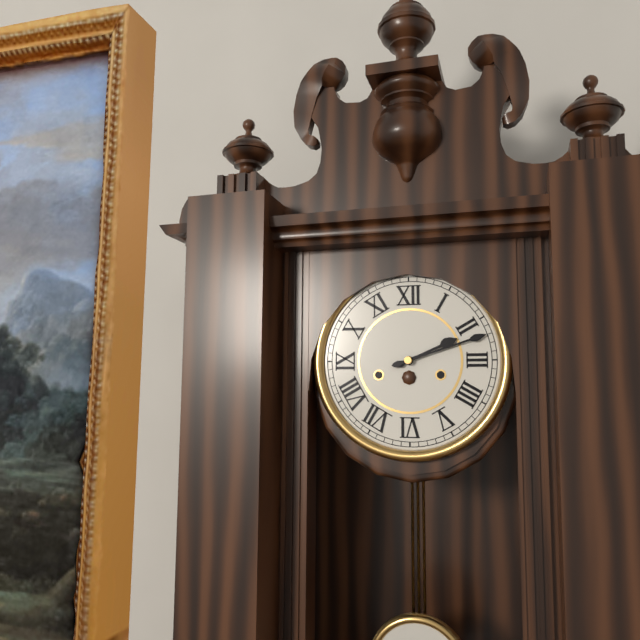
2 h 12 min
